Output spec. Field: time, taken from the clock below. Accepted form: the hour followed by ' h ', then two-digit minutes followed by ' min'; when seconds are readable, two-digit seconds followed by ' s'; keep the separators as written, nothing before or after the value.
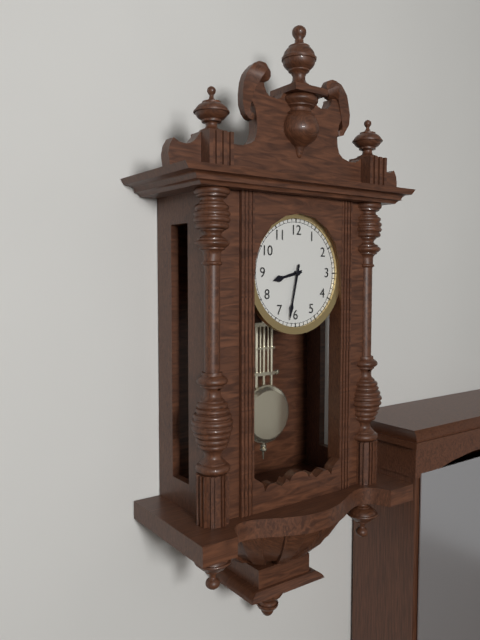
8 h 32 min
